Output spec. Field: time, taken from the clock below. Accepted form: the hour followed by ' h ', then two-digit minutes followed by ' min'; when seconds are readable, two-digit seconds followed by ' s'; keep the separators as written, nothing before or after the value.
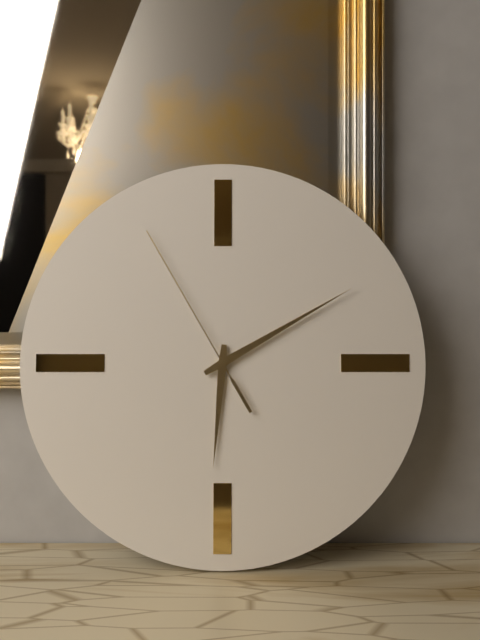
6 h 10 min 55 s
